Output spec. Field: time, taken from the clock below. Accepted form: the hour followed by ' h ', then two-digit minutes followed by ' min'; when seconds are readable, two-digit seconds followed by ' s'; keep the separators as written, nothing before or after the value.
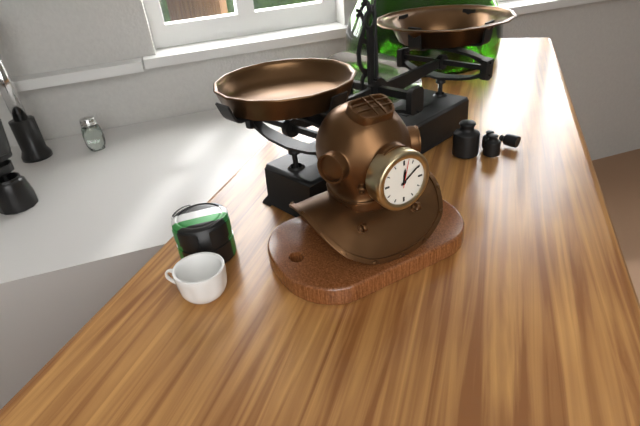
12 h 09 min
